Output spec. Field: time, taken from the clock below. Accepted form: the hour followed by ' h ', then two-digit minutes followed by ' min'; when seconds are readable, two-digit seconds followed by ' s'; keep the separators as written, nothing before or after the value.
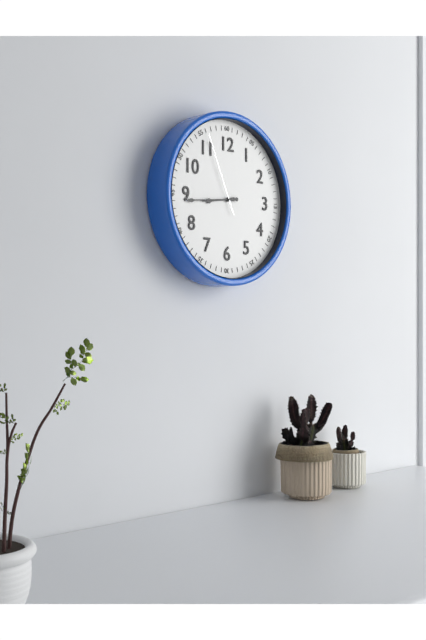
8 h 44 min 56 s
